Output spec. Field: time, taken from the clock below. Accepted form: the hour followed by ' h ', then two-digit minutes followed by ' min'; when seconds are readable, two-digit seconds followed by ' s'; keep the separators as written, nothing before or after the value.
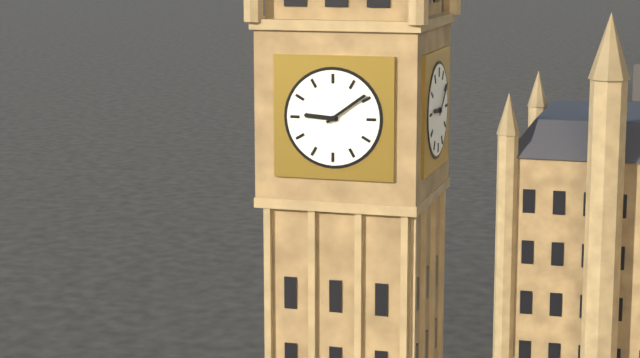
9 h 09 min
